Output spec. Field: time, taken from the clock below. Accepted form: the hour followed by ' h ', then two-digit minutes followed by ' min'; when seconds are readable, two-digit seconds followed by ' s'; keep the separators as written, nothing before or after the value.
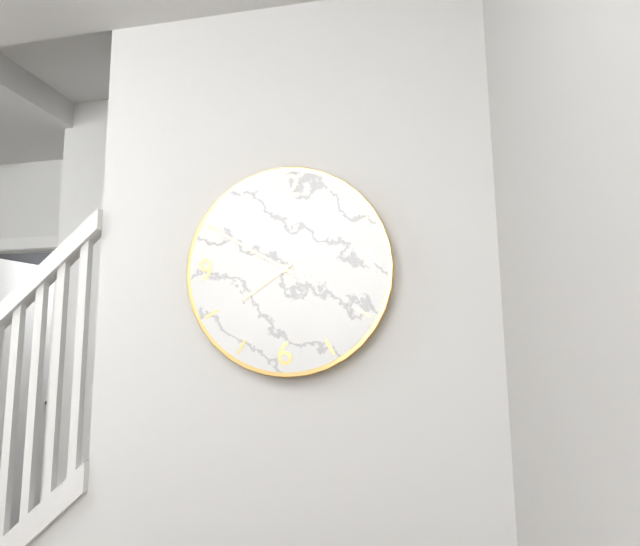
7 h 50 min
